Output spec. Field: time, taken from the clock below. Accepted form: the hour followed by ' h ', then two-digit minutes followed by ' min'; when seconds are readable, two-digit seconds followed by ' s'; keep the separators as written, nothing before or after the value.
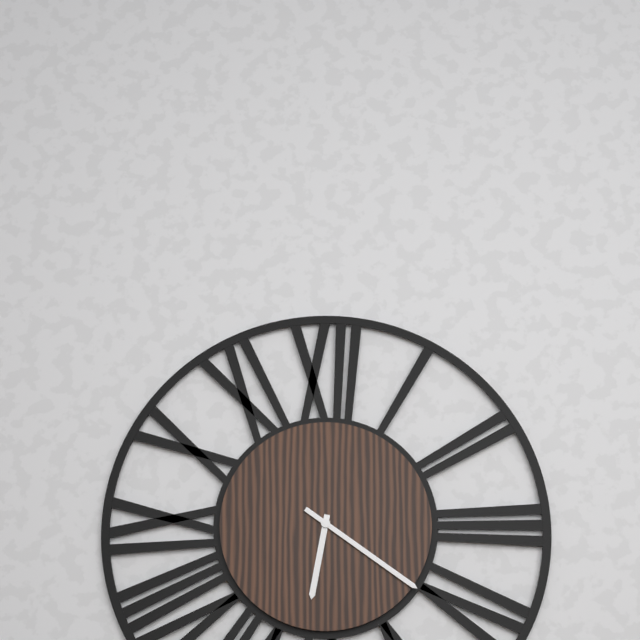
6 h 21 min
